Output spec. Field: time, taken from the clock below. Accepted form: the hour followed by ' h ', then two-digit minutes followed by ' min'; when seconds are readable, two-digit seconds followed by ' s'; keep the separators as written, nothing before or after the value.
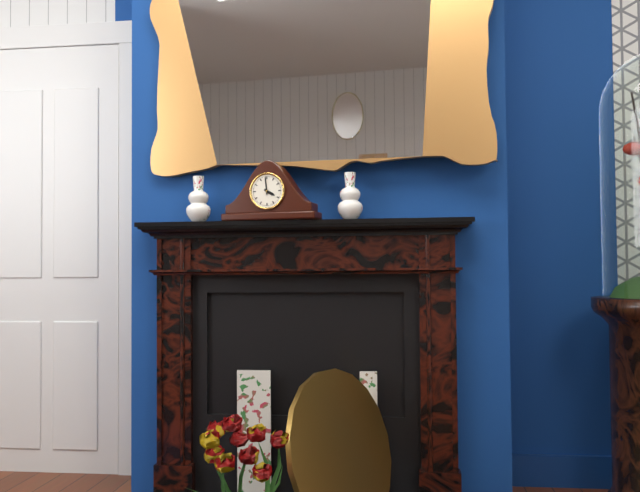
3 h 59 min
